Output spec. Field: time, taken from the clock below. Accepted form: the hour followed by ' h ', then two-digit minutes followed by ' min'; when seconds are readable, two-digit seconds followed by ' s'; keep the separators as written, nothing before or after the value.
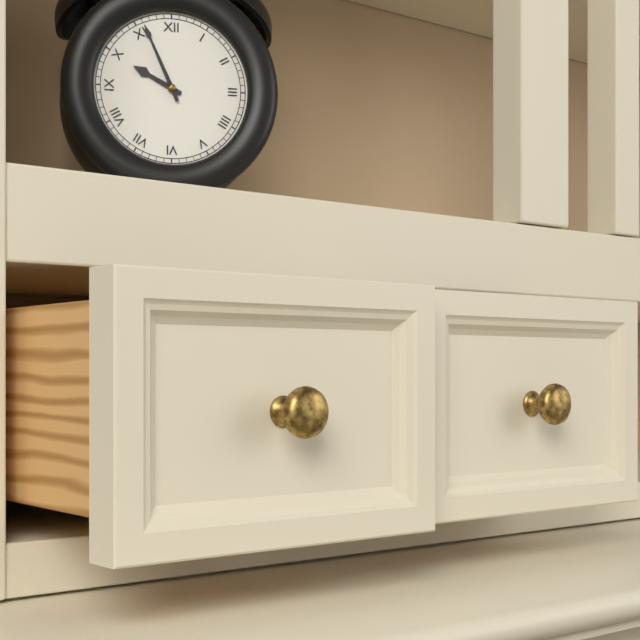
9 h 56 min
